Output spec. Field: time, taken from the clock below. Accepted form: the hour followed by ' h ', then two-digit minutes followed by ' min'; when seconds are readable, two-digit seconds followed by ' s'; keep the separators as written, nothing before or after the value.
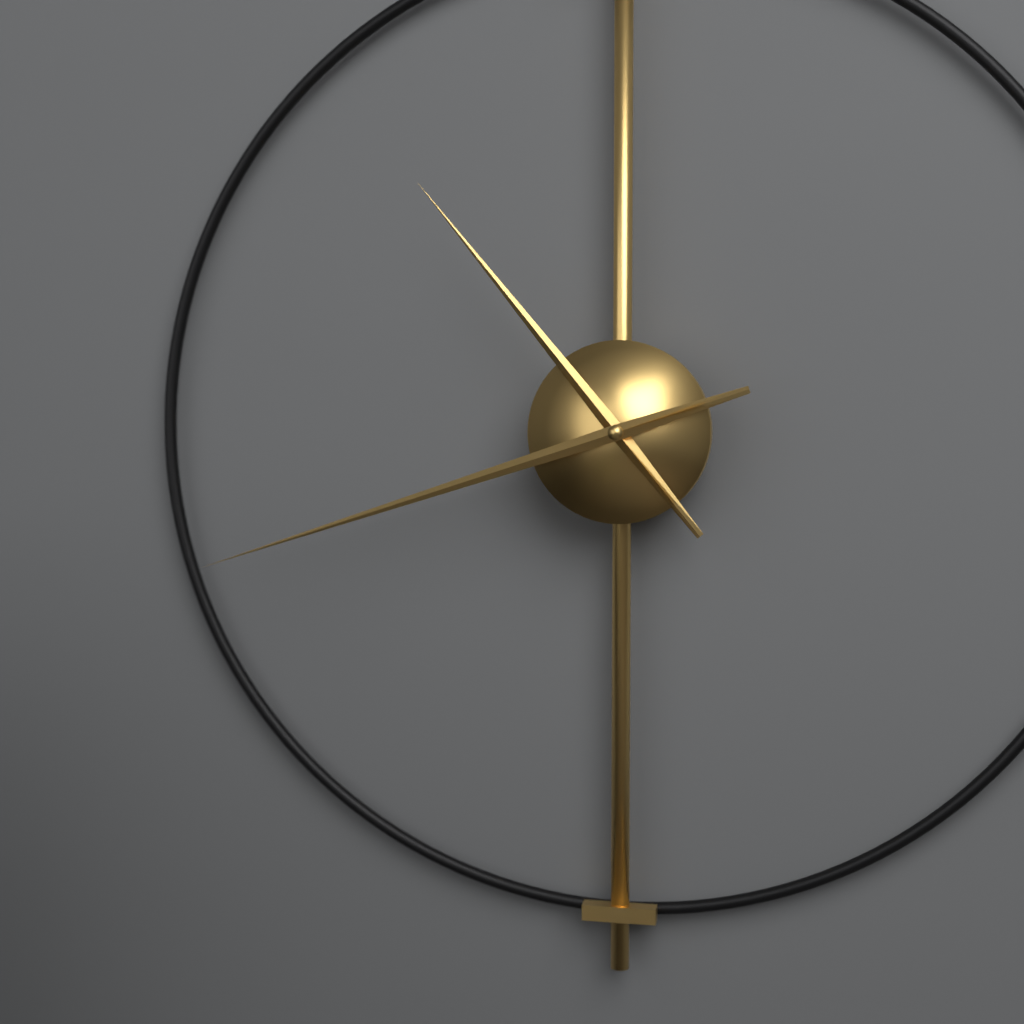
10 h 42 min
